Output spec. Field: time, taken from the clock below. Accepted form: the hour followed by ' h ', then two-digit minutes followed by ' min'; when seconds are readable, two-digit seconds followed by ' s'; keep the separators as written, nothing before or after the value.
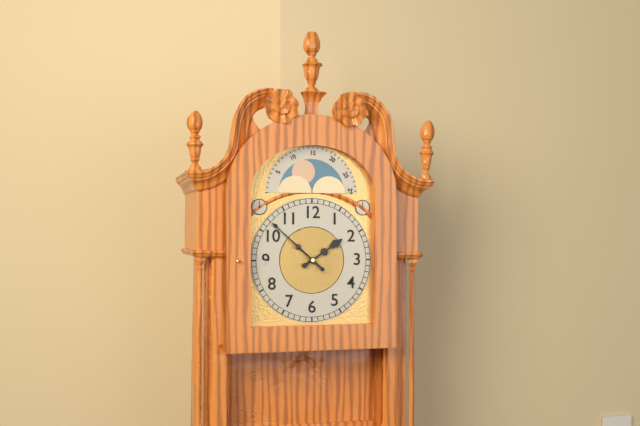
1 h 52 min
